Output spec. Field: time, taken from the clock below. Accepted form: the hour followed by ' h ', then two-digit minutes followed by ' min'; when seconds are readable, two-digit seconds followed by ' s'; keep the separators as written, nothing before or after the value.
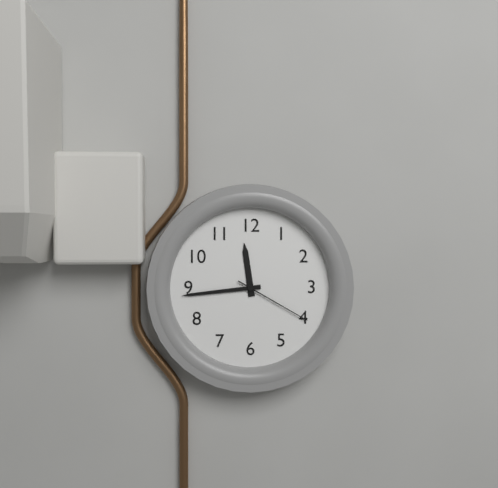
11 h 44 min 20 s
